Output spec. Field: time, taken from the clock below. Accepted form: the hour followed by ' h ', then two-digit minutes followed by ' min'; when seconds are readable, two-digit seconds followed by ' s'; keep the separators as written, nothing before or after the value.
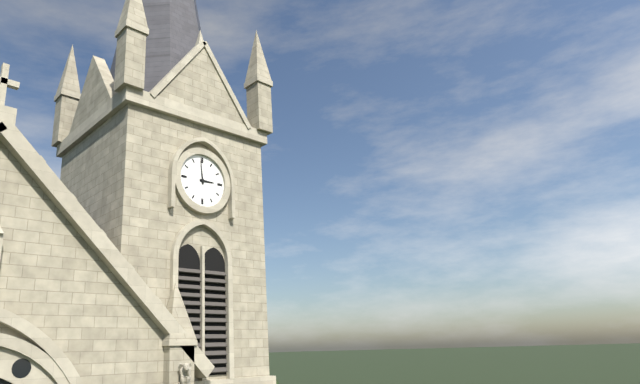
2 h 59 min
